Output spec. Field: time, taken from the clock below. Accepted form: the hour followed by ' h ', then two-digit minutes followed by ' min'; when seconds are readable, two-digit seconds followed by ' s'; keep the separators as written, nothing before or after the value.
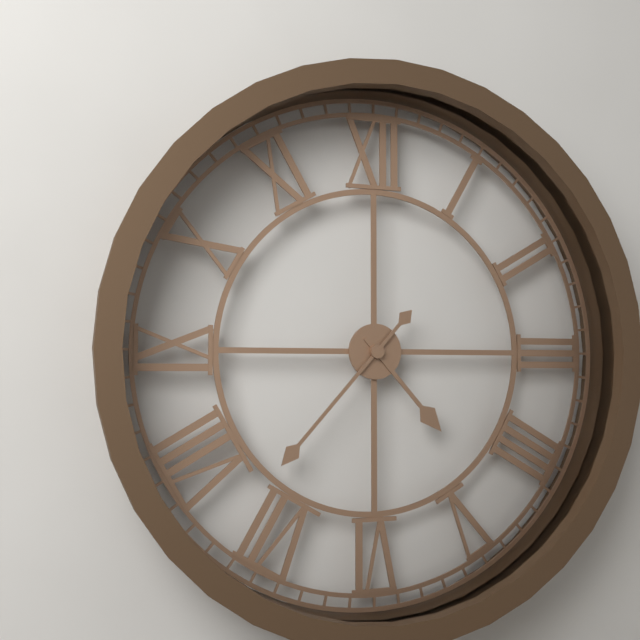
4 h 37 min
